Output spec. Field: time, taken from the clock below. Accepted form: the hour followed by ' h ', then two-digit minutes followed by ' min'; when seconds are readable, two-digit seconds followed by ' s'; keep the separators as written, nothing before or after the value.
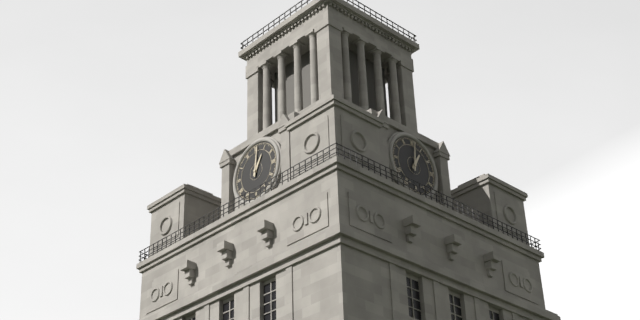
1 h 01 min
